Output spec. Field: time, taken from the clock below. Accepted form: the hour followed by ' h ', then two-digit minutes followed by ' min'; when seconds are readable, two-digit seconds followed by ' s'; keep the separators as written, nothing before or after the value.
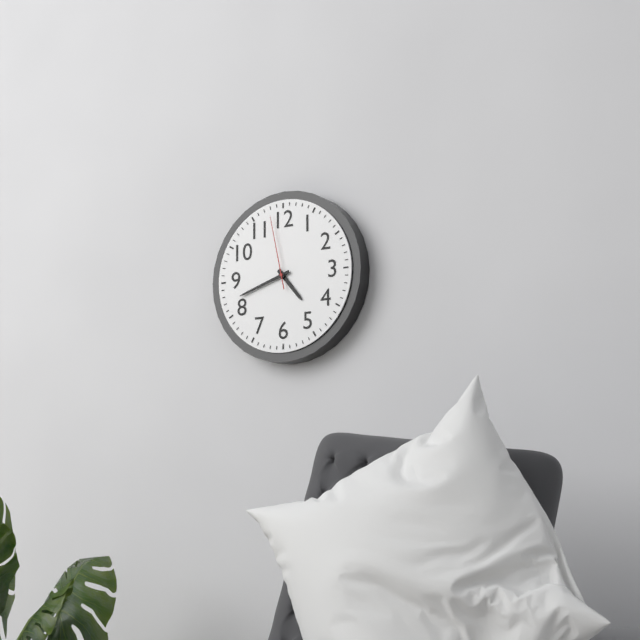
4 h 42 min 58 s
